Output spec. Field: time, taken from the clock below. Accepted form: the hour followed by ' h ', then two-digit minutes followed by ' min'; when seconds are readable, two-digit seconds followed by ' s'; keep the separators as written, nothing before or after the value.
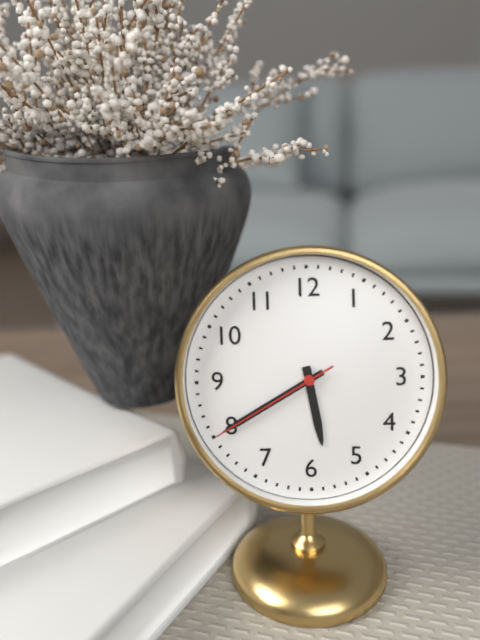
5 h 40 min 40 s
